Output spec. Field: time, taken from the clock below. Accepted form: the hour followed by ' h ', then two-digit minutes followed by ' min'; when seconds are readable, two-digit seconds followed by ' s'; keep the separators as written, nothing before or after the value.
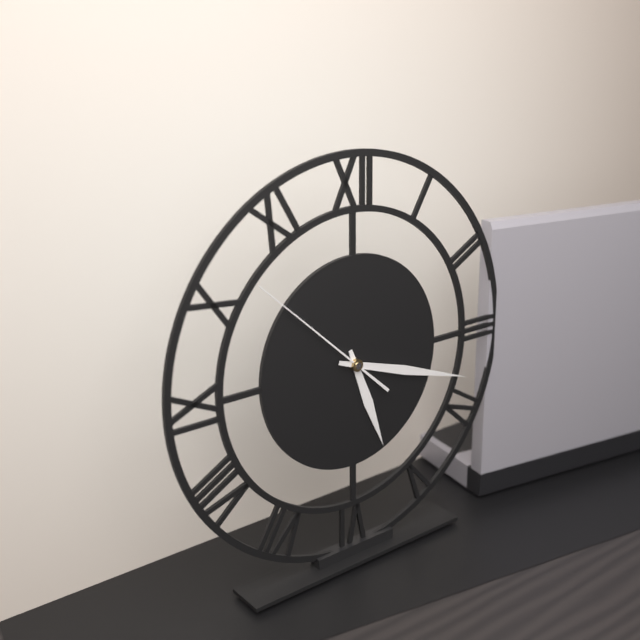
5 h 18 min 52 s
